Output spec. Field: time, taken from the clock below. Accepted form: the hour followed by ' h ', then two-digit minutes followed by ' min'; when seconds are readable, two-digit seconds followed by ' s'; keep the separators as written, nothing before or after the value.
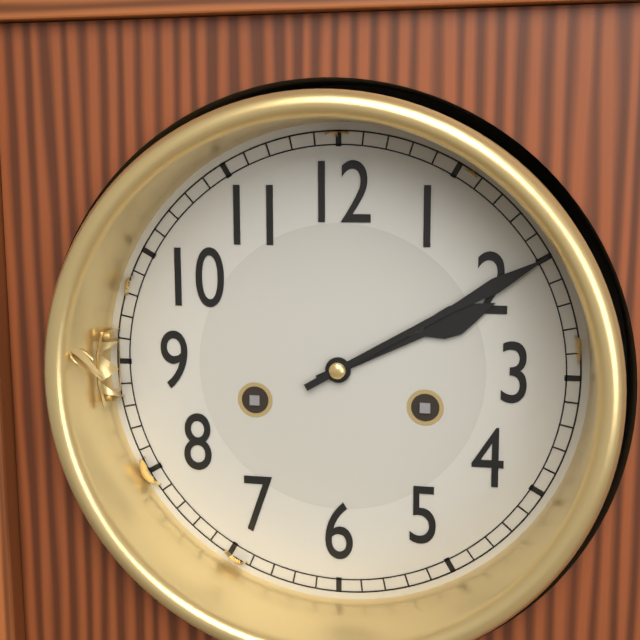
2 h 10 min
